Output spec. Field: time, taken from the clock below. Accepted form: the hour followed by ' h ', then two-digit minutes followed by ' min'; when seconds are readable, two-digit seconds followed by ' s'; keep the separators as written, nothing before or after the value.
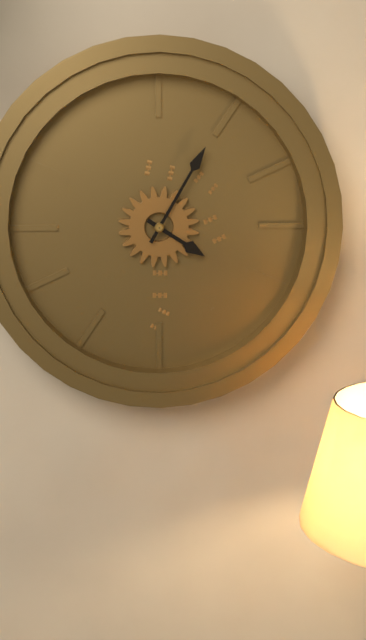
4 h 05 min
